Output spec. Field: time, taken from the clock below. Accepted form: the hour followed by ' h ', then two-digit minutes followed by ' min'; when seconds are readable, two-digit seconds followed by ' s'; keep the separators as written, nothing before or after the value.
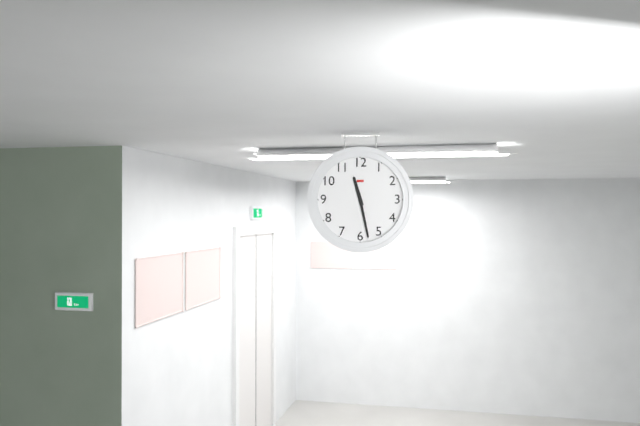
11 h 28 min
